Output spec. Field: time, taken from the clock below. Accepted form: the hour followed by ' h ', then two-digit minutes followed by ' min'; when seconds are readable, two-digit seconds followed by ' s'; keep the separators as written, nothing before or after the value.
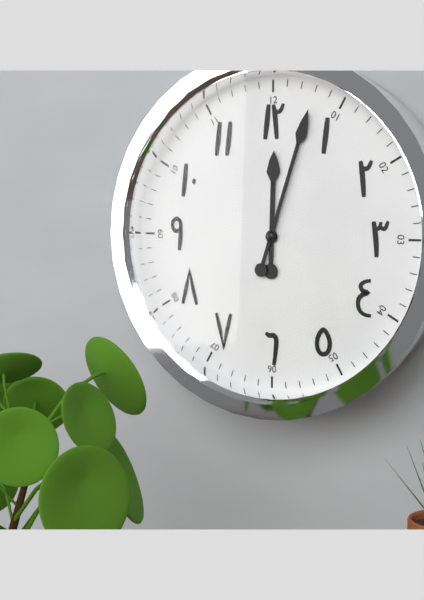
12 h 03 min
